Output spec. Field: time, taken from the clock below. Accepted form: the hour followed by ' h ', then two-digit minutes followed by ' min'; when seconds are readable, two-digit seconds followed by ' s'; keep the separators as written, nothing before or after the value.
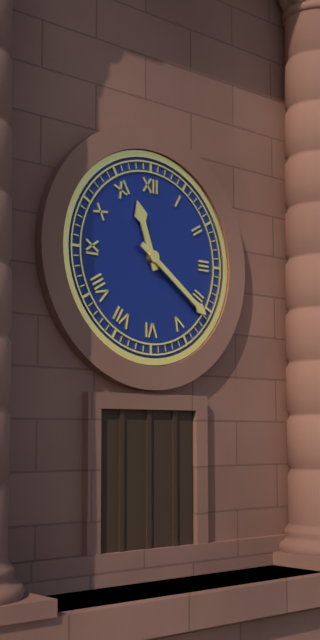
11 h 21 min
